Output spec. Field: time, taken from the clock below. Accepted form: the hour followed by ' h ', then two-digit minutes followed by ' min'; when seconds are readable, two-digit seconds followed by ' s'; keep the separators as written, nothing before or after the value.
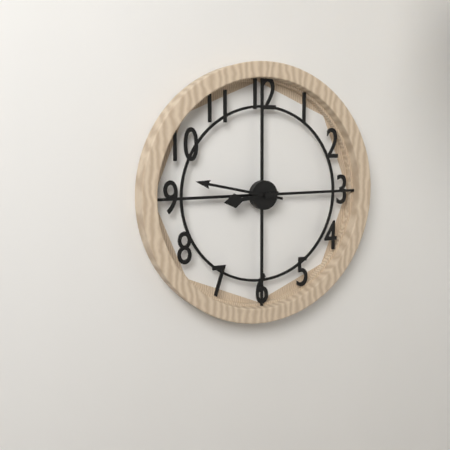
8 h 47 min
